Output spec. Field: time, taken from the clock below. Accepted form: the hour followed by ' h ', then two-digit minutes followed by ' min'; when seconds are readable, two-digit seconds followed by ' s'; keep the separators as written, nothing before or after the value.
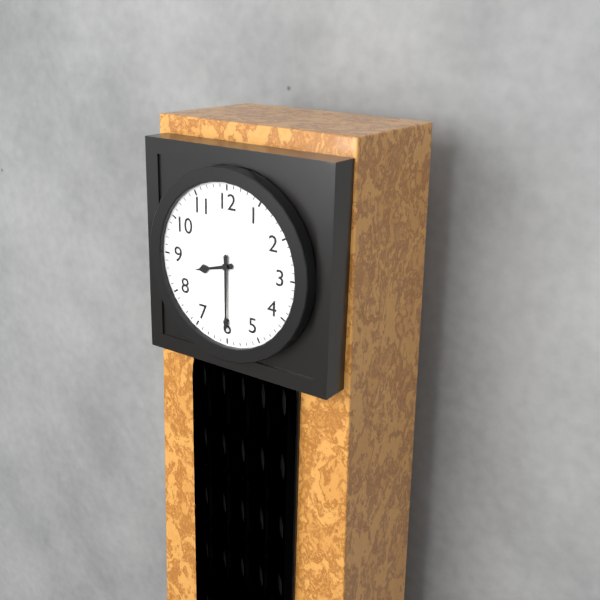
8 h 30 min
